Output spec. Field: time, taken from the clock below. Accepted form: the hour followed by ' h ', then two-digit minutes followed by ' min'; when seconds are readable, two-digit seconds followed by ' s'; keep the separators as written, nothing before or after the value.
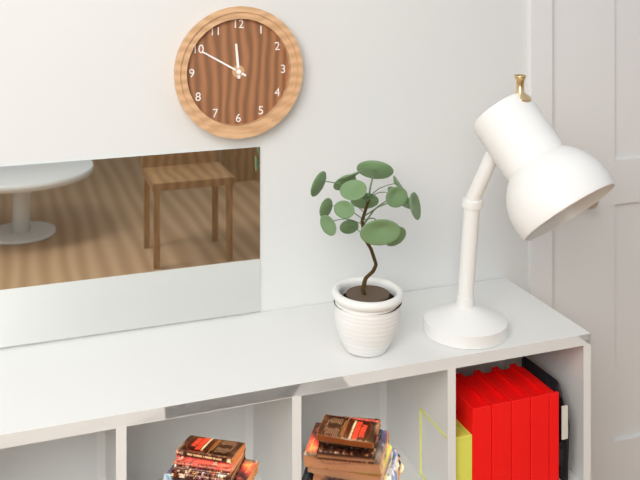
11 h 50 min
